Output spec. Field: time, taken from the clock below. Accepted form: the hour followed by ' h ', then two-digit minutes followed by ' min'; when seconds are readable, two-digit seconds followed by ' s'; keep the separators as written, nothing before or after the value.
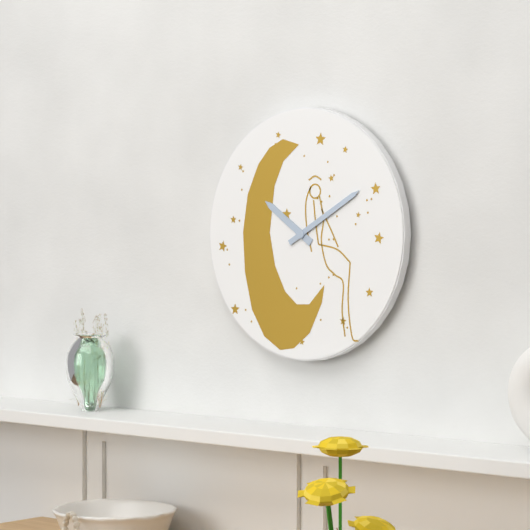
10 h 10 min
